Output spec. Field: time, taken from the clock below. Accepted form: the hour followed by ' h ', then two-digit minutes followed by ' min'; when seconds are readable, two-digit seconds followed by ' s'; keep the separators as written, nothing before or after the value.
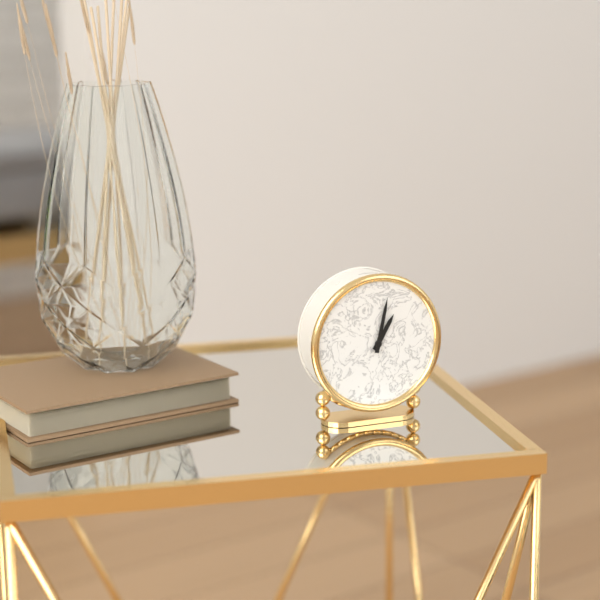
1 h 02 min
